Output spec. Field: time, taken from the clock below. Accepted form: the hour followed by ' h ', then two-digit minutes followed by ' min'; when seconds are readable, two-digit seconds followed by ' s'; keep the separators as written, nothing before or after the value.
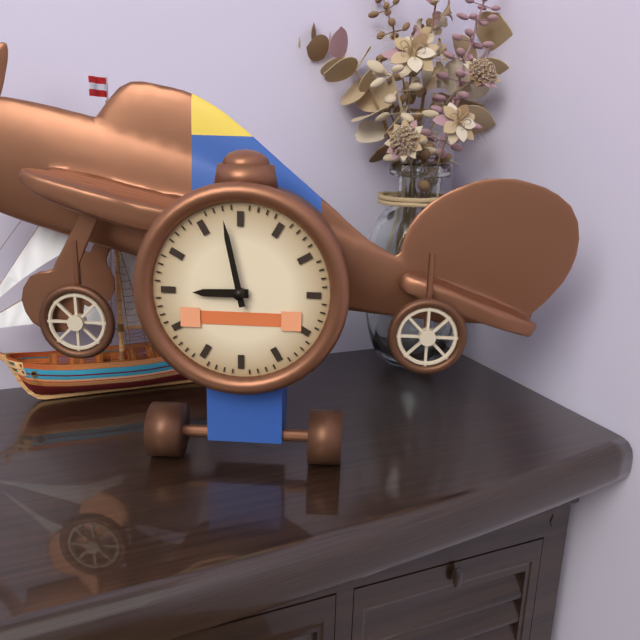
8 h 58 min
